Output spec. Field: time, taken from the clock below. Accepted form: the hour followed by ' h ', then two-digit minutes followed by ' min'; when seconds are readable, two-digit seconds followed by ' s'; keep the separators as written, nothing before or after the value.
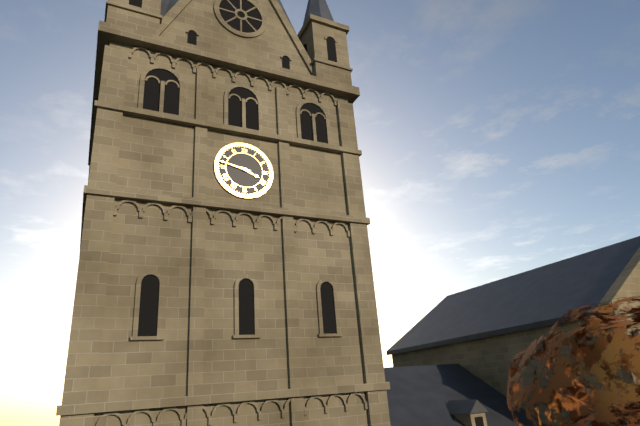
3 h 47 min
